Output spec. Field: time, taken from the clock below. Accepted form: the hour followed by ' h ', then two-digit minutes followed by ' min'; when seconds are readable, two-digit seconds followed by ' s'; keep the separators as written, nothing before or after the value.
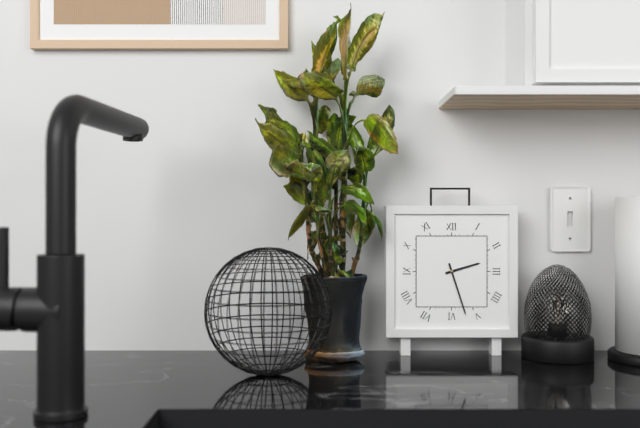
2 h 27 min
